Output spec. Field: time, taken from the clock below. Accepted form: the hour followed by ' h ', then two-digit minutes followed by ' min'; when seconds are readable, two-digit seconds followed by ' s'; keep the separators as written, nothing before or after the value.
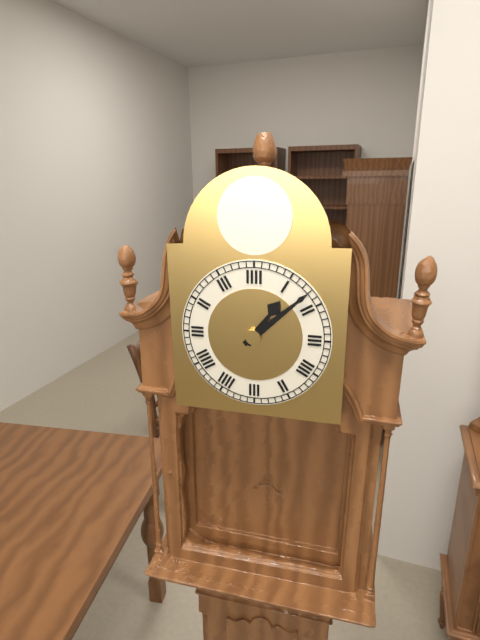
1 h 08 min
